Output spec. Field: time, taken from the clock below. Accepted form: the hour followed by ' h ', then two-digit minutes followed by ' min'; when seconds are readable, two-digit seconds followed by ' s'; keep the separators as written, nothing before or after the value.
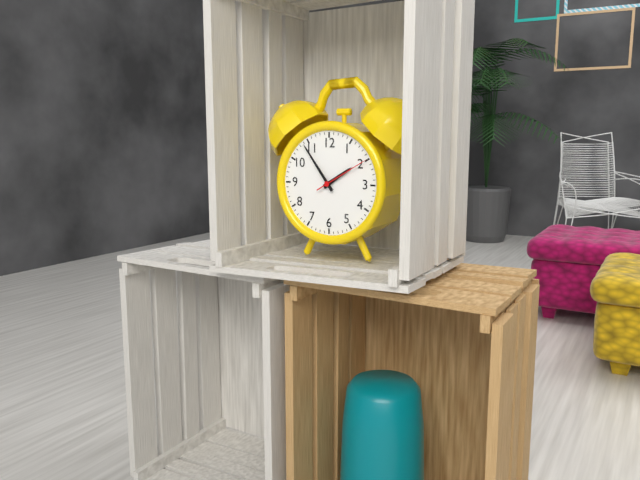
1 h 54 min 10 s
